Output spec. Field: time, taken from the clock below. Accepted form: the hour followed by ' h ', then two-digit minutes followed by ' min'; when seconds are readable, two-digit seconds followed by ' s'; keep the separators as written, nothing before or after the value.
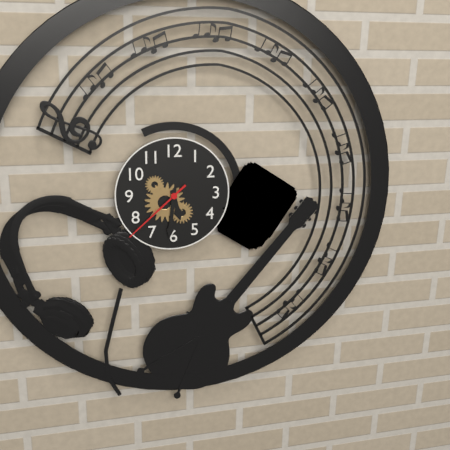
5 h 31 min 38 s
